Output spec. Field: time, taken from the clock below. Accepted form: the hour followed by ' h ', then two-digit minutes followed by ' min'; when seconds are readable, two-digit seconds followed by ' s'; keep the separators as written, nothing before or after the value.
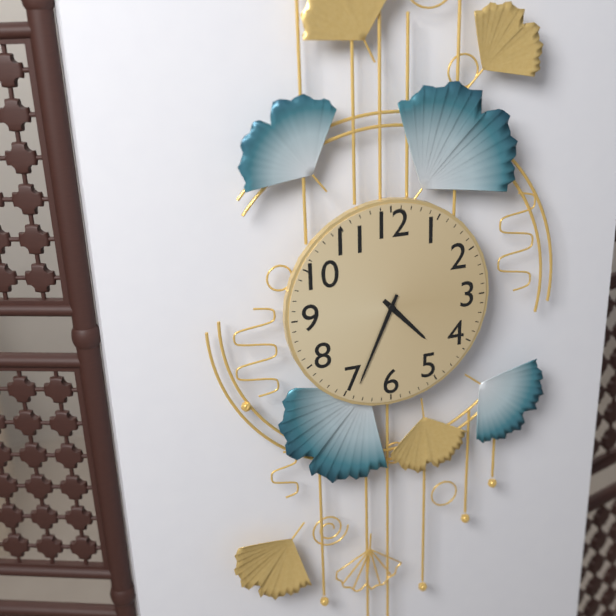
4 h 34 min
